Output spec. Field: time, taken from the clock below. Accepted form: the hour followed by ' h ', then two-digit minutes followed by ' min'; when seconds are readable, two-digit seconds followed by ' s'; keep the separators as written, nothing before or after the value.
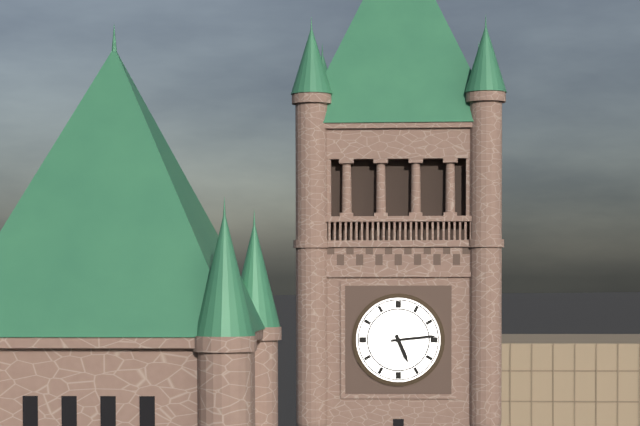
5 h 14 min
